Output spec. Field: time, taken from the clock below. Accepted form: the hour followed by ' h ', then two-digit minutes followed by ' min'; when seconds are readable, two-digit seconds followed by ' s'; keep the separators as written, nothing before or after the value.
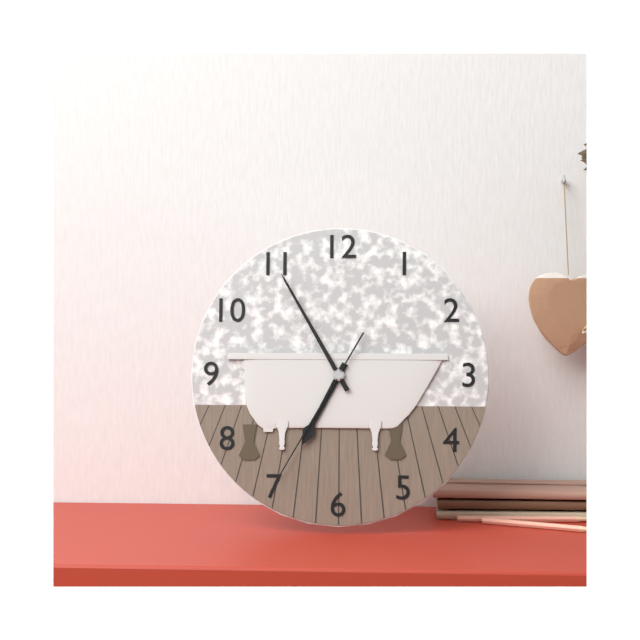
6 h 55 min 35 s
